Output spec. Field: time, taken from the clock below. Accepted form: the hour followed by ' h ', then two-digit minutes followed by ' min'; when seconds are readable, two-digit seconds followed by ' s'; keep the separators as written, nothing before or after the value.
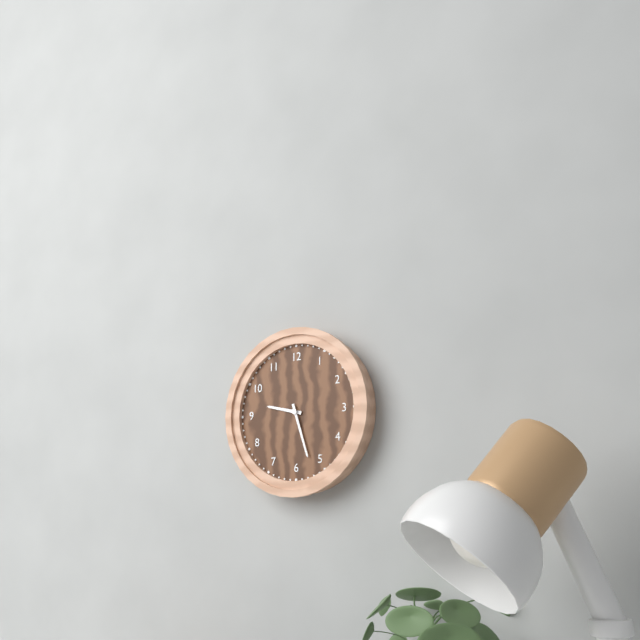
9 h 27 min
